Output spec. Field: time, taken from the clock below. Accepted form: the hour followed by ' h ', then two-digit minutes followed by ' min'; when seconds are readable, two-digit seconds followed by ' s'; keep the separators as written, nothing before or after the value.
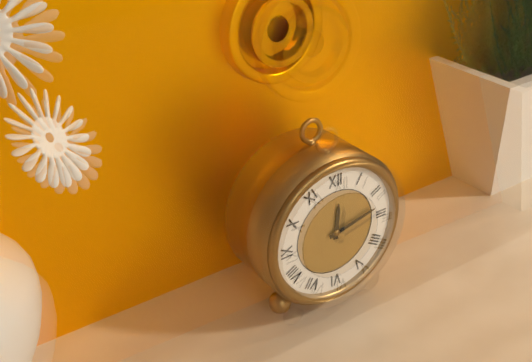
12 h 13 min
